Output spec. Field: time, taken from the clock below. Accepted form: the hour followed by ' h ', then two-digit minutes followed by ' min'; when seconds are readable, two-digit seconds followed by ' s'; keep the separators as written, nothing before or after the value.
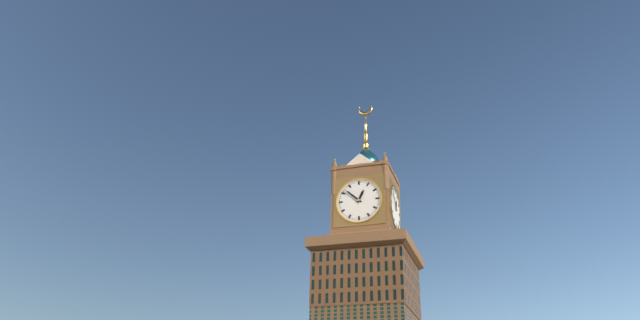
12 h 52 min
